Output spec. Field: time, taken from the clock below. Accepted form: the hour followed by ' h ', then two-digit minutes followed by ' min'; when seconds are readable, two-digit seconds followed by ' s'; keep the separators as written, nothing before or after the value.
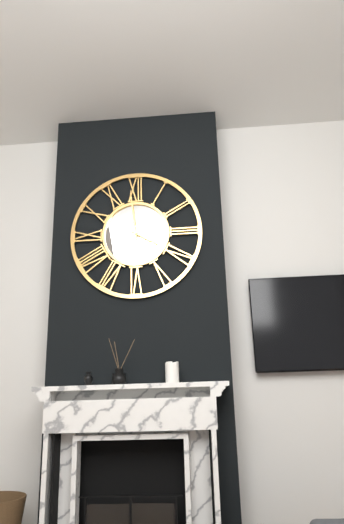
3 h 59 min
